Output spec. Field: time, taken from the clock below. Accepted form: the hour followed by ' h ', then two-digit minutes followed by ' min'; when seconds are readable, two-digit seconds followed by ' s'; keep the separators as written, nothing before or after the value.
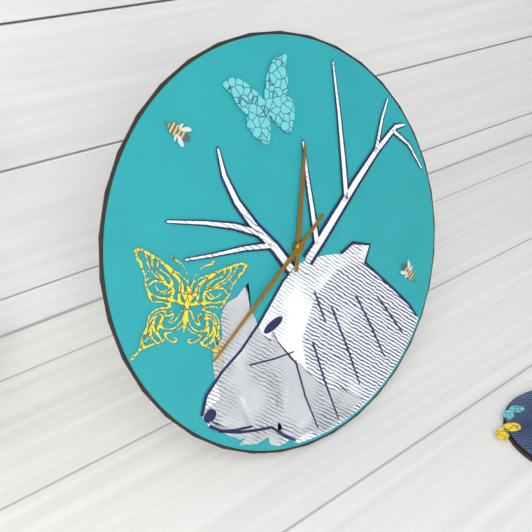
12 h 40 min
